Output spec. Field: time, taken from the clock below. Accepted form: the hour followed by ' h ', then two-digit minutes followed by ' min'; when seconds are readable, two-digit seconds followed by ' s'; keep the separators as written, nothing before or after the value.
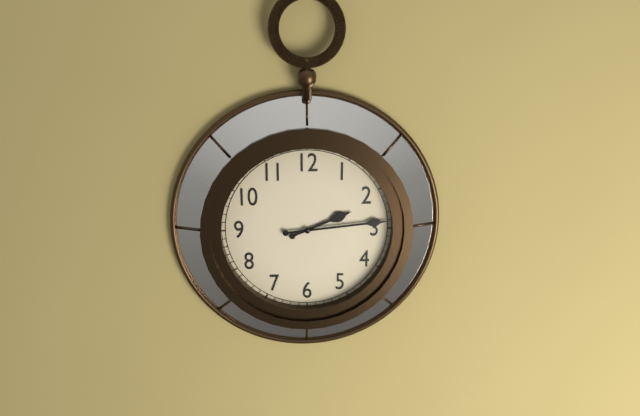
2 h 14 min
